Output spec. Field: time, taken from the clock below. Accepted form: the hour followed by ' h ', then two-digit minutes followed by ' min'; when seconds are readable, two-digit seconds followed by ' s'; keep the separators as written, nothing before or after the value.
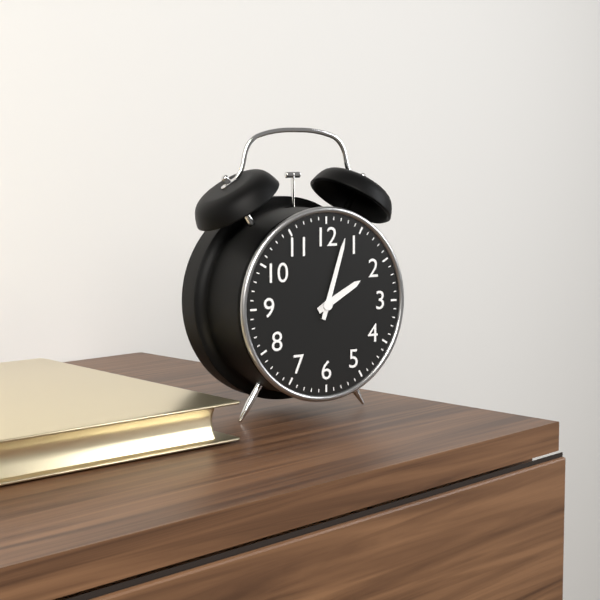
2 h 03 min
